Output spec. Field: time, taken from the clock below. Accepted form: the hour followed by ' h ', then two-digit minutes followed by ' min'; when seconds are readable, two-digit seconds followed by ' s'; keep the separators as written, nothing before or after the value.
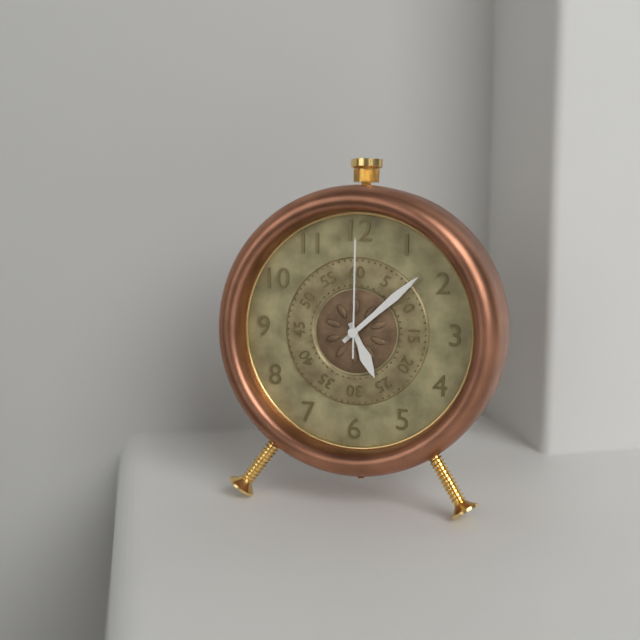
5 h 08 min 00 s
